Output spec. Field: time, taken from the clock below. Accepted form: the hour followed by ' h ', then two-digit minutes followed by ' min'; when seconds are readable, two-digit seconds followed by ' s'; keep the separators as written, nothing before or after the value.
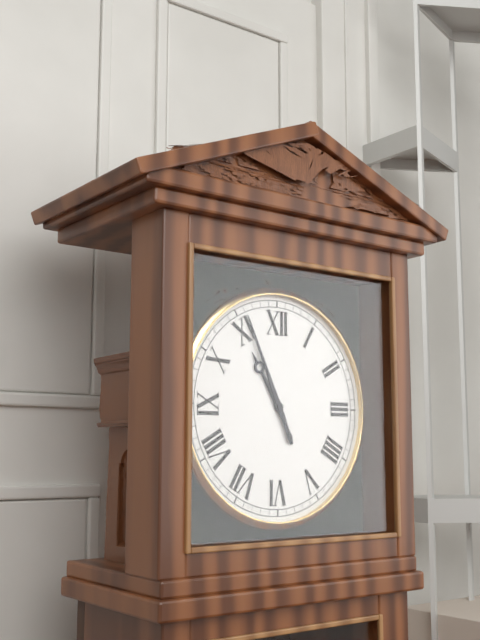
10 h 56 min
